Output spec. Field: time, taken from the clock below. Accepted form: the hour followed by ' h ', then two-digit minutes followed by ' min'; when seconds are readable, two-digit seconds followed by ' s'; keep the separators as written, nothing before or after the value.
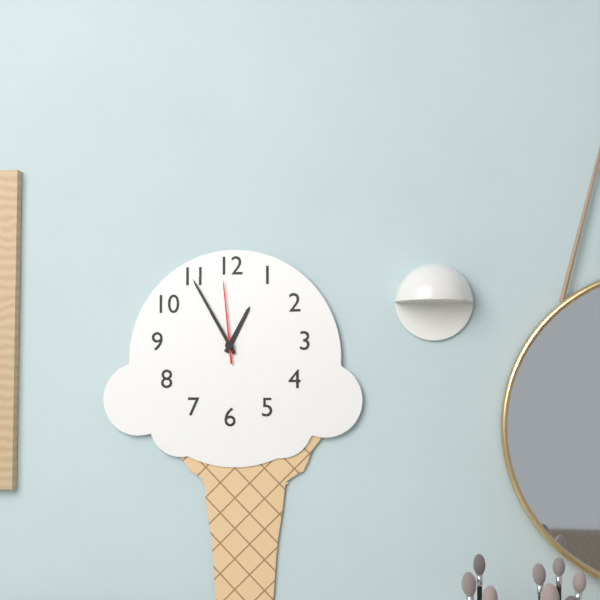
12 h 55 min 59 s
